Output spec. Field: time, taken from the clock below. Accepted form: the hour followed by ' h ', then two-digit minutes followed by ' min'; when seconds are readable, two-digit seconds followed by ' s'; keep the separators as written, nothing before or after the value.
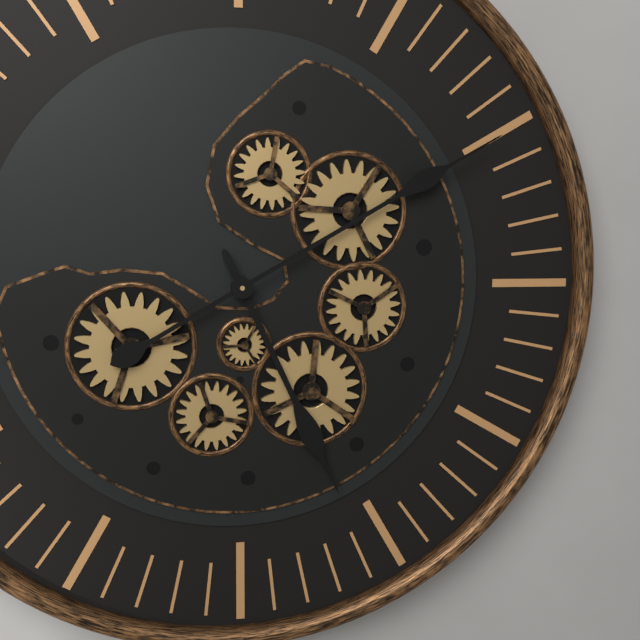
5 h 10 min
